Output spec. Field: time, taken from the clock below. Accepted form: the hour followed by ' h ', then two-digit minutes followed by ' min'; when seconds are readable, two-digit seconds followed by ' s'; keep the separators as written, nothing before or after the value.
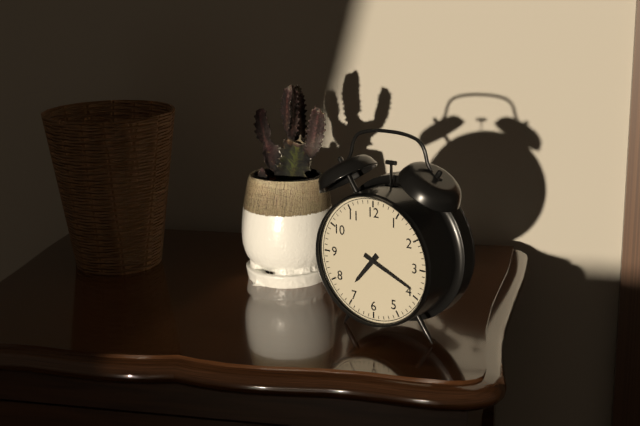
7 h 19 min
